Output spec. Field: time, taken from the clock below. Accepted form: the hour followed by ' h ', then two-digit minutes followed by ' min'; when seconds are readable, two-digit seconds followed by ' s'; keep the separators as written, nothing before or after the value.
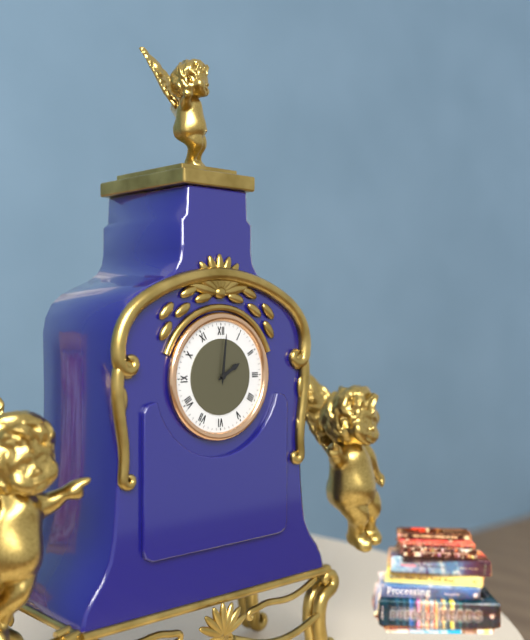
2 h 01 min
